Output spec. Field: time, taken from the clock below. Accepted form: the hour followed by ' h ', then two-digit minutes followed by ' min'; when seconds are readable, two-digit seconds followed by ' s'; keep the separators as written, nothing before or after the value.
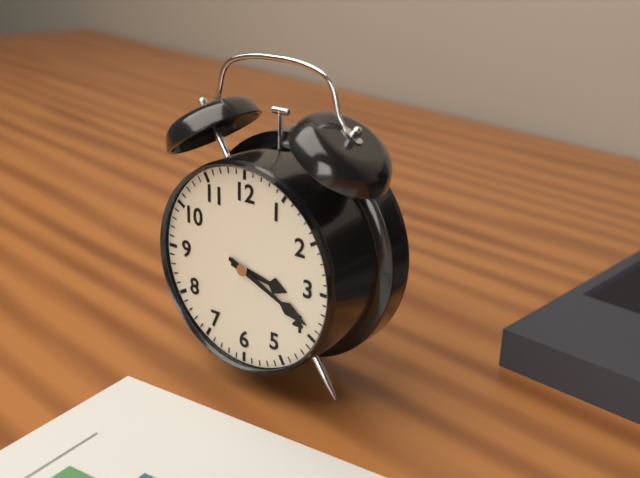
3 h 19 min
